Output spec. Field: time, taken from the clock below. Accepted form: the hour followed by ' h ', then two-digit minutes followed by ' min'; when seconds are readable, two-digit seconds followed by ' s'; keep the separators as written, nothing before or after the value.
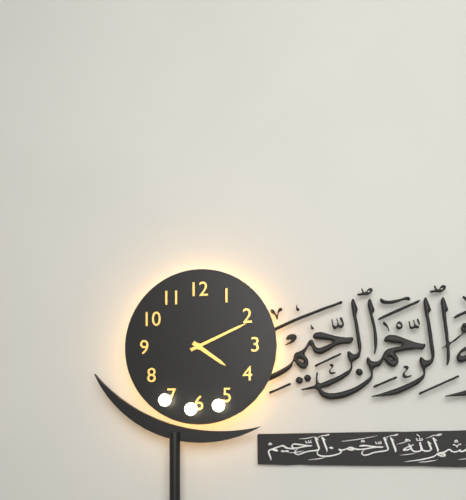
4 h 11 min
